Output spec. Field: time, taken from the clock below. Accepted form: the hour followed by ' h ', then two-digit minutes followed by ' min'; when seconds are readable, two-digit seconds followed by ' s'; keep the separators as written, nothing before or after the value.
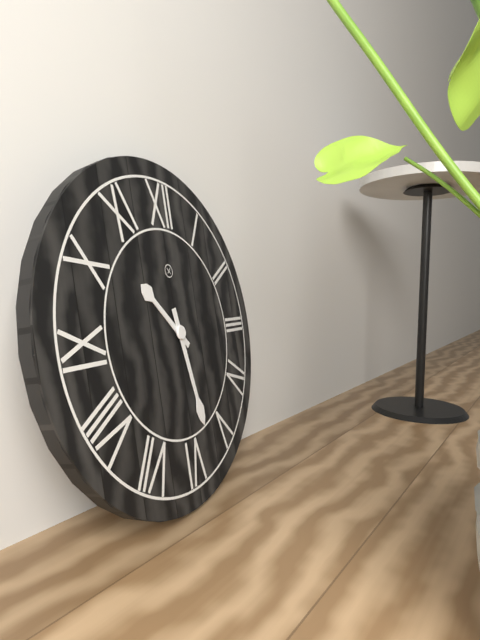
10 h 28 min
